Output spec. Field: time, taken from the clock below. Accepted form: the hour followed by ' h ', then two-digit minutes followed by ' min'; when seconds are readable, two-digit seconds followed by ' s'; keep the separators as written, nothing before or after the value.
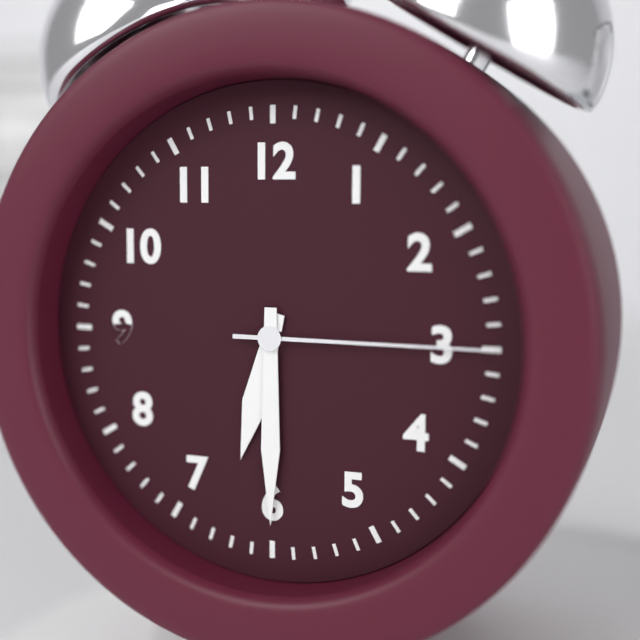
6 h 30 min 15 s
